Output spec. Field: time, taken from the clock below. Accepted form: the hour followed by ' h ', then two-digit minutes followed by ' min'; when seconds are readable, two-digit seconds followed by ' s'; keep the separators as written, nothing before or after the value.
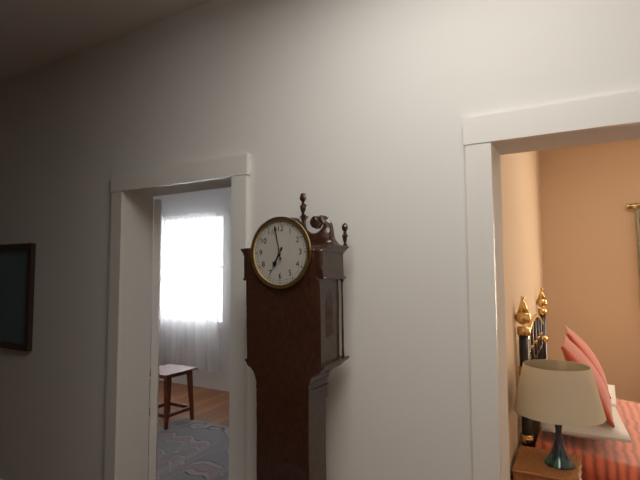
6 h 58 min
